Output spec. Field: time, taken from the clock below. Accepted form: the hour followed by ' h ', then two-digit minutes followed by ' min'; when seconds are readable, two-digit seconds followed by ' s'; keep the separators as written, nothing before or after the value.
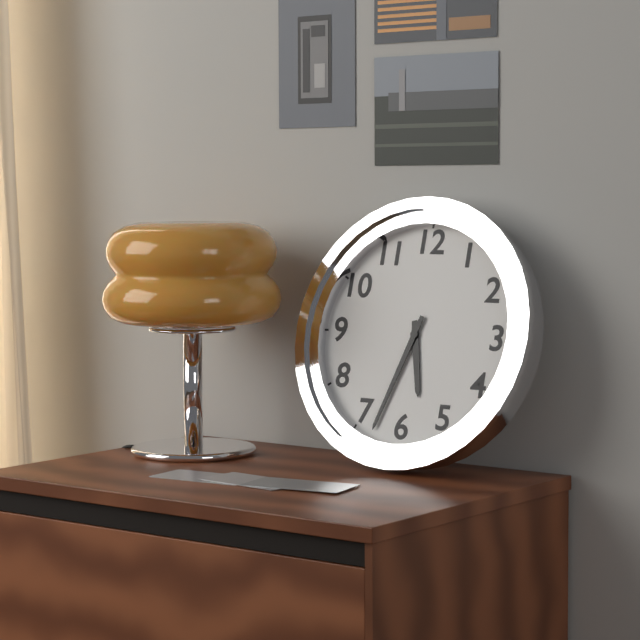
5 h 33 min
